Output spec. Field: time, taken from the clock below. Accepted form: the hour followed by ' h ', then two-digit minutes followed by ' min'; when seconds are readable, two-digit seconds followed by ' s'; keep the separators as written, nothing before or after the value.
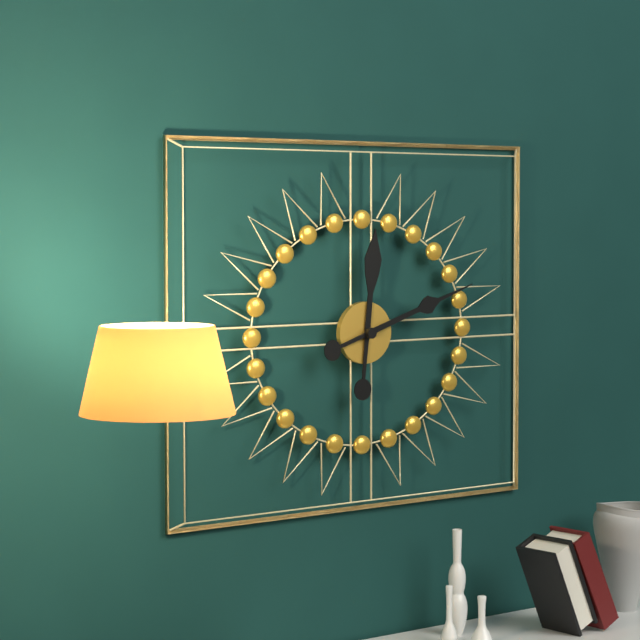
12 h 12 min
